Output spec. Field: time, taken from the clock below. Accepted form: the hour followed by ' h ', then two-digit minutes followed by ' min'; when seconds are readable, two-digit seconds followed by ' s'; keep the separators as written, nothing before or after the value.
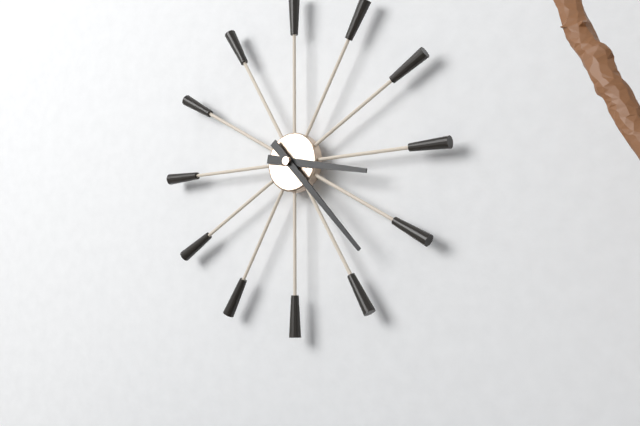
3 h 23 min
